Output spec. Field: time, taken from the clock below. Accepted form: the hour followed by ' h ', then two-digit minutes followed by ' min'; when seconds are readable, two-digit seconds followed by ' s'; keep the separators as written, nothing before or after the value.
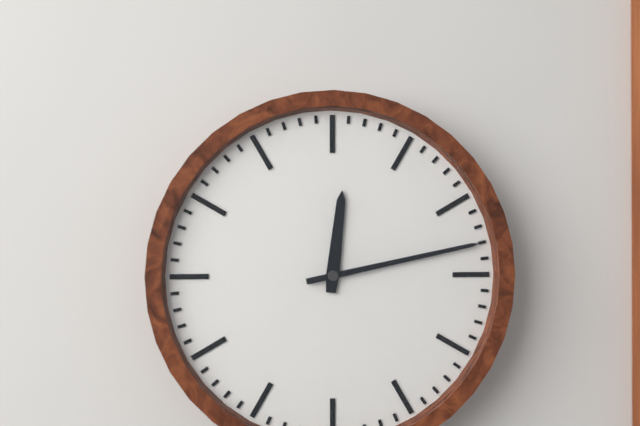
12 h 13 min
